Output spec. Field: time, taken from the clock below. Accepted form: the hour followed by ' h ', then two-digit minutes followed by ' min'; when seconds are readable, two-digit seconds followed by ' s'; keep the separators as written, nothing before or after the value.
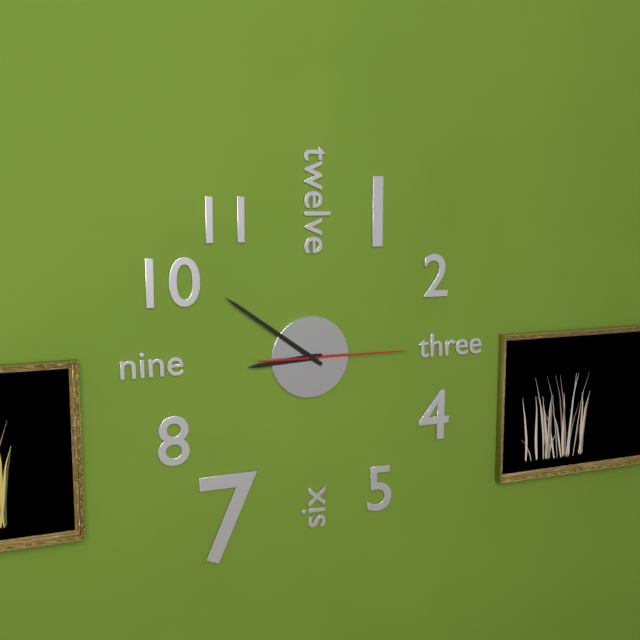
8 h 51 min 15 s
